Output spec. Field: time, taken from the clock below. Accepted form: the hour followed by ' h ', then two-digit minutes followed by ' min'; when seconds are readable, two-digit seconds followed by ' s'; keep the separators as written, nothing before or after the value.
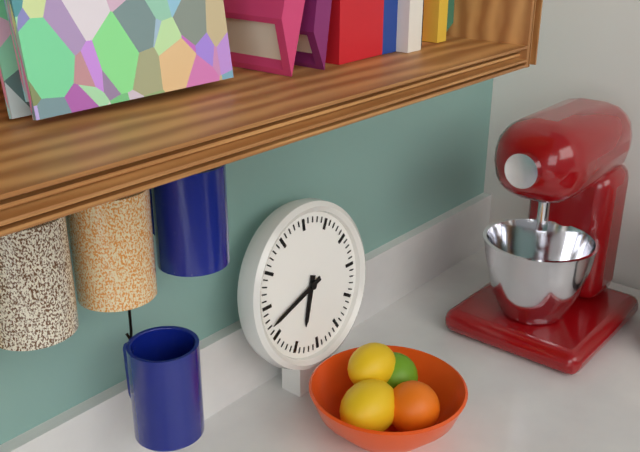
6 h 42 min
